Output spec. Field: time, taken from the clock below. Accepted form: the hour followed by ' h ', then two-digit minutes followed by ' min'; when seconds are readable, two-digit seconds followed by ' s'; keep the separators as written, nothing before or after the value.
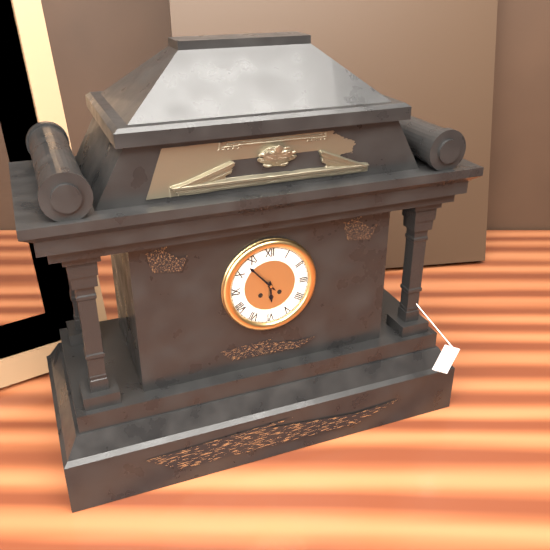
5 h 53 min
